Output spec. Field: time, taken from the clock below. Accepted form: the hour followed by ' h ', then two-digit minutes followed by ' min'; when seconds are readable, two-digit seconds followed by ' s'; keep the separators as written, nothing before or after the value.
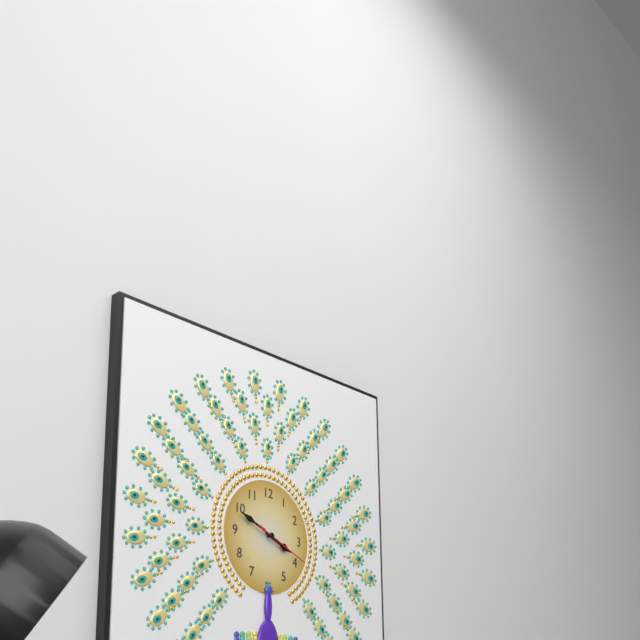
3 h 49 min 19 s
